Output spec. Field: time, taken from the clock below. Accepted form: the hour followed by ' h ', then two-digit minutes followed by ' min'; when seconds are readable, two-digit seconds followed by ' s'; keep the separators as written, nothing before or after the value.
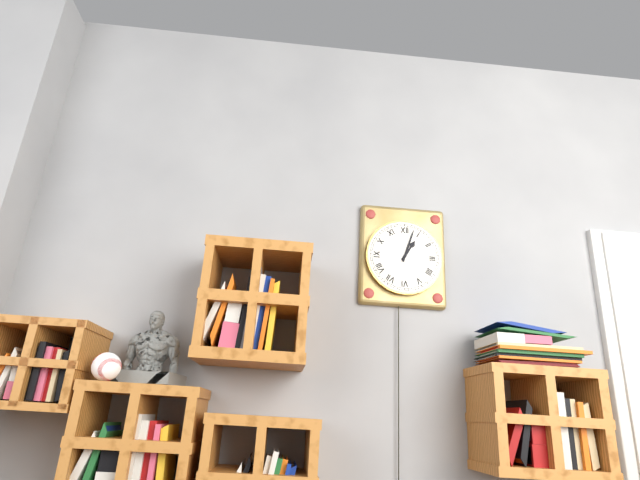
1 h 03 min
